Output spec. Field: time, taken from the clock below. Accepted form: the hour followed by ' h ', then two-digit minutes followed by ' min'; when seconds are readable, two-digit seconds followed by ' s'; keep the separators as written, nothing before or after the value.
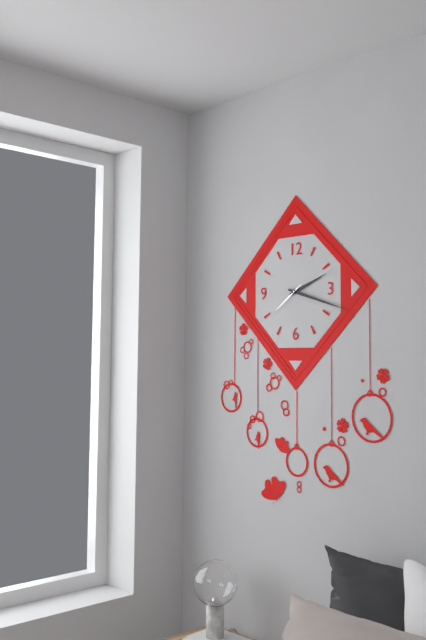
2 h 18 min
